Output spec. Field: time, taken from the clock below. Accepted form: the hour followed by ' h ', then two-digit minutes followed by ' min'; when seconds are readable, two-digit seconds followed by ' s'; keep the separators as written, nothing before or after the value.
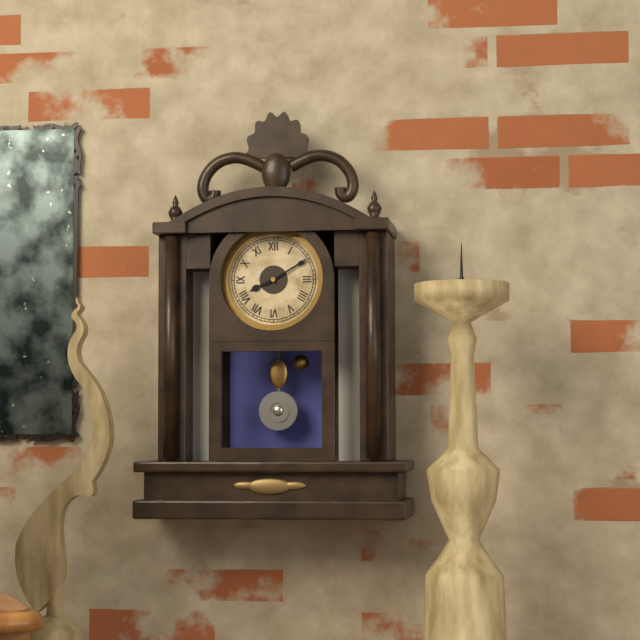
8 h 10 min
